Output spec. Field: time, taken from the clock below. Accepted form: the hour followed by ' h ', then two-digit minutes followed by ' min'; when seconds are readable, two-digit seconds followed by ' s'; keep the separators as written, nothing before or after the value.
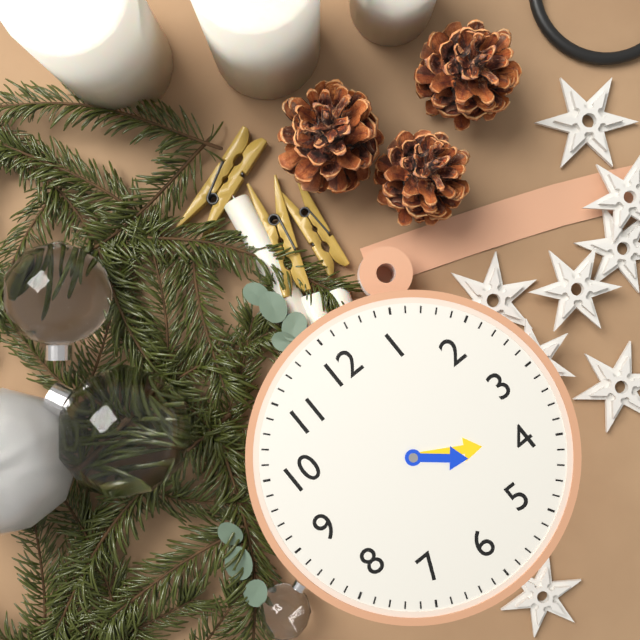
4 h 20 min
